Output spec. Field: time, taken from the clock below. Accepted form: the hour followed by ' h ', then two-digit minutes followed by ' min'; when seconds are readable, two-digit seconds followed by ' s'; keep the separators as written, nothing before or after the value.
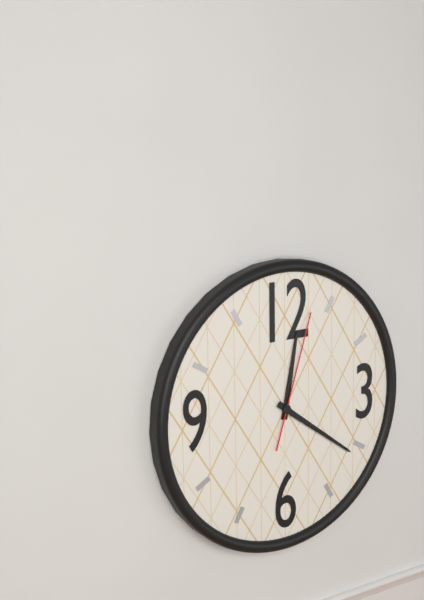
12 h 21 min 03 s
